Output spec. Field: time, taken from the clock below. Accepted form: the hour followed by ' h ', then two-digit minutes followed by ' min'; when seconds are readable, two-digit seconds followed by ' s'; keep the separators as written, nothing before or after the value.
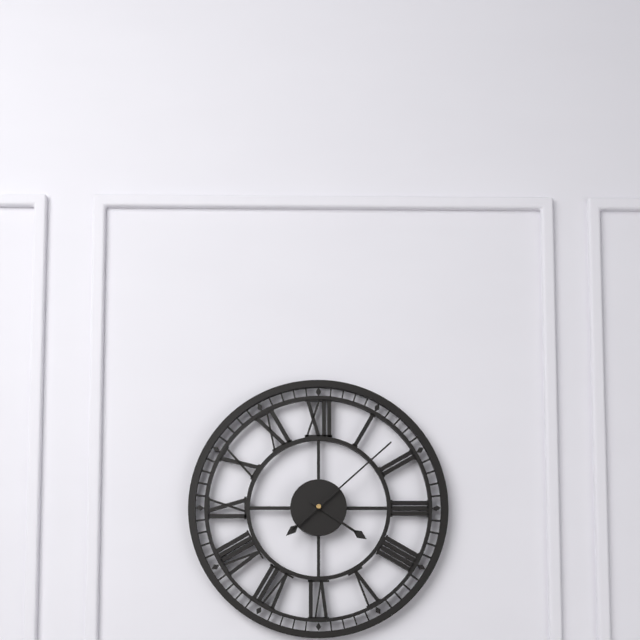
4 h 08 min
